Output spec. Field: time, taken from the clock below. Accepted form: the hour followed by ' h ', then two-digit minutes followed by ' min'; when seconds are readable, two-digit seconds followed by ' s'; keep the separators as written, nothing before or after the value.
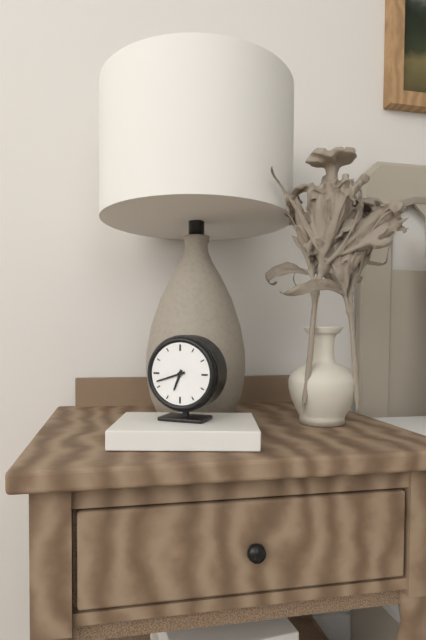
6 h 42 min
